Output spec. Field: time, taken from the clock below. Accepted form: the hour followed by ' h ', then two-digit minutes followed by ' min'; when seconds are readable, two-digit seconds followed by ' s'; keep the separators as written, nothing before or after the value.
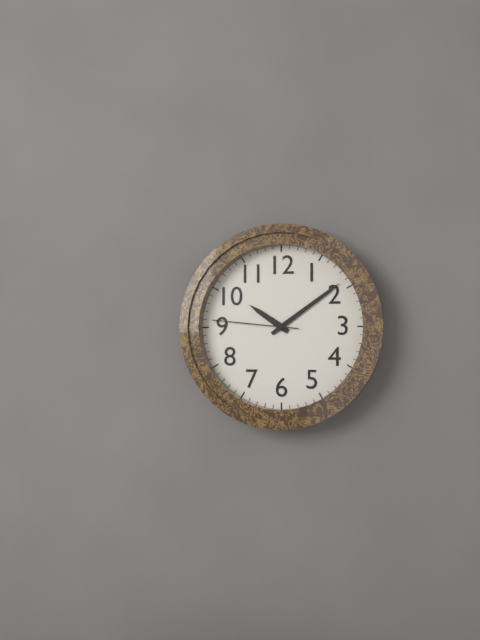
10 h 09 min 46 s
